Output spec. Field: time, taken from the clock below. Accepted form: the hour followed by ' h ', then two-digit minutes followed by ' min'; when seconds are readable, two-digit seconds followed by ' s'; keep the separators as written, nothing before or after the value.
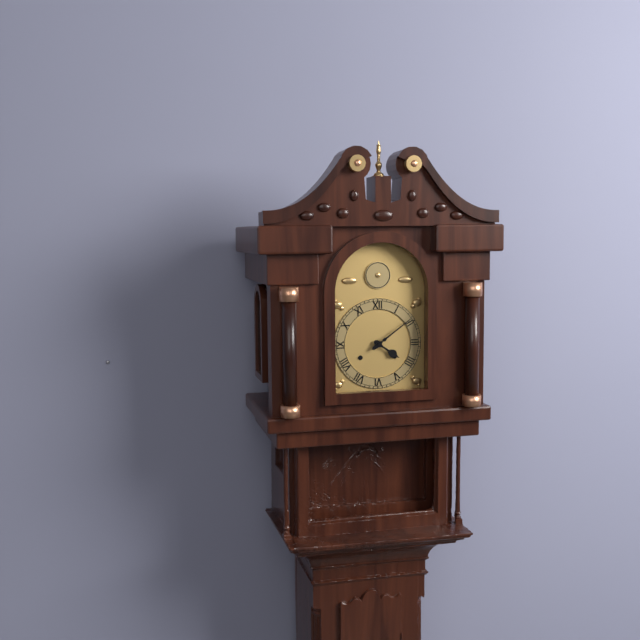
4 h 09 min
